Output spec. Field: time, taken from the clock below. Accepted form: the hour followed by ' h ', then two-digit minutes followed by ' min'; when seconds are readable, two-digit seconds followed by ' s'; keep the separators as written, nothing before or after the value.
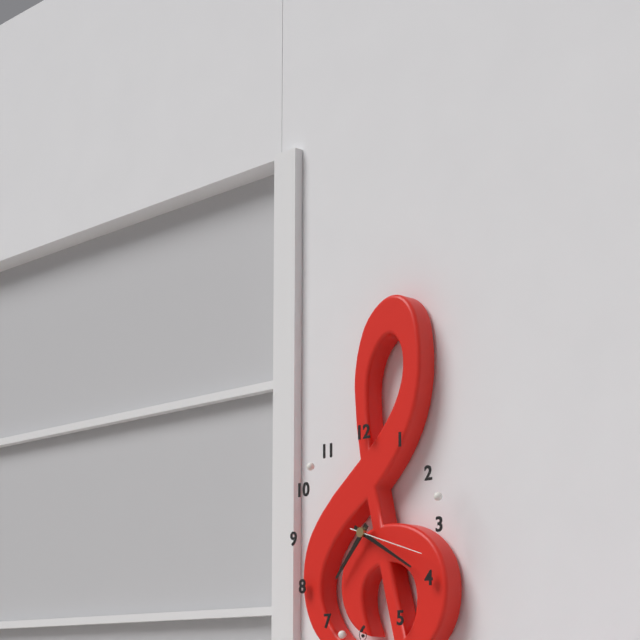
7 h 20 min 18 s
